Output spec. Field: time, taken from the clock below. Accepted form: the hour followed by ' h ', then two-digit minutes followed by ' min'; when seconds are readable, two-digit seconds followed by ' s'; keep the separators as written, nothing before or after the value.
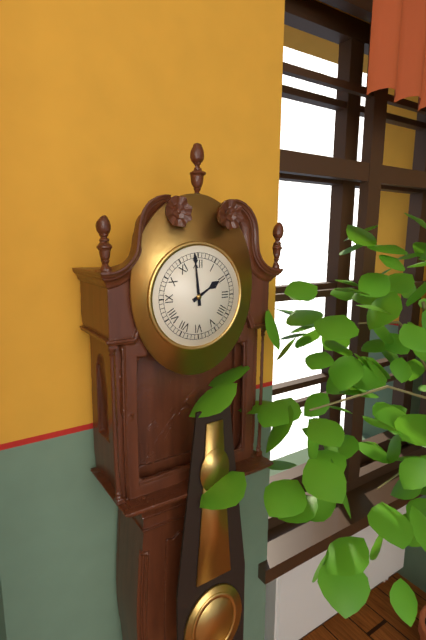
1 h 59 min
